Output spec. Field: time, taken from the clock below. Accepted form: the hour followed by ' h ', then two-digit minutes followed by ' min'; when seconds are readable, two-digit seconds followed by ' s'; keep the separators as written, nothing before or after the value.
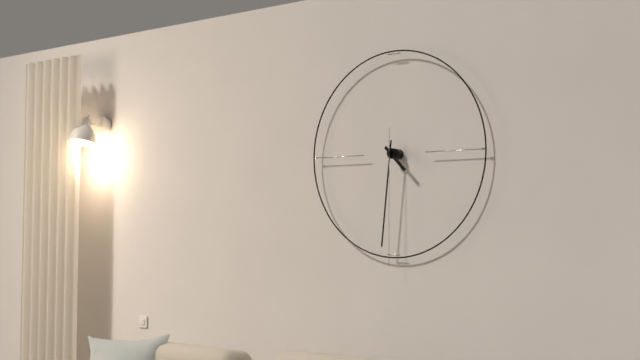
4 h 31 min 30 s
